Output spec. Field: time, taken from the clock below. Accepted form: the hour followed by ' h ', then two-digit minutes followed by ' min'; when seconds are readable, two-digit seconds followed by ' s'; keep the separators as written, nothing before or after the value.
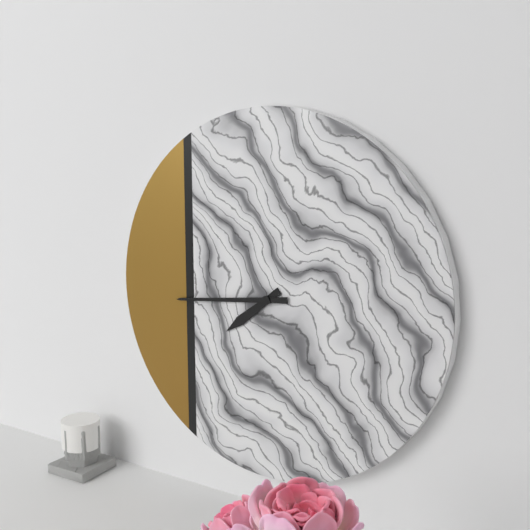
7 h 44 min
